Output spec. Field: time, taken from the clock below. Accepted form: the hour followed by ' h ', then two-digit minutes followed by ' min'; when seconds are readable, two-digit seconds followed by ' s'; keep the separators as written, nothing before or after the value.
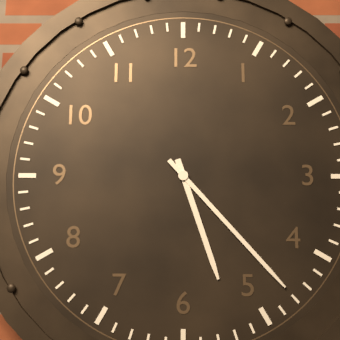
5 h 23 min
